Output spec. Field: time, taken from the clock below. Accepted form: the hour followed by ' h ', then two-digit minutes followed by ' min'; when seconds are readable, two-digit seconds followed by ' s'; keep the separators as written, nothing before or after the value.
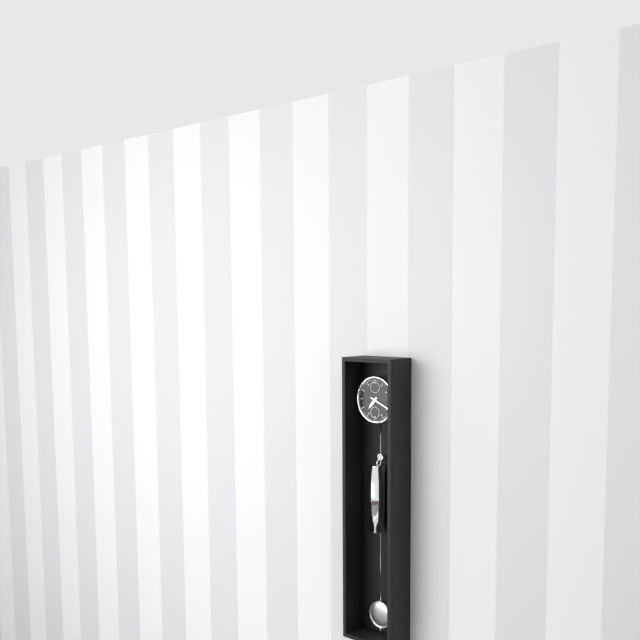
7 h 19 min
